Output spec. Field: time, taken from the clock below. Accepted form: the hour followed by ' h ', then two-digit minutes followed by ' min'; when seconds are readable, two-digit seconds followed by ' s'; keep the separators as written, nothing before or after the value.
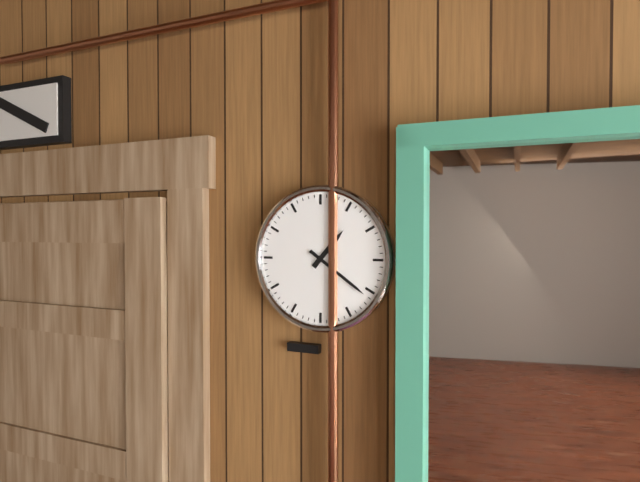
1 h 21 min
